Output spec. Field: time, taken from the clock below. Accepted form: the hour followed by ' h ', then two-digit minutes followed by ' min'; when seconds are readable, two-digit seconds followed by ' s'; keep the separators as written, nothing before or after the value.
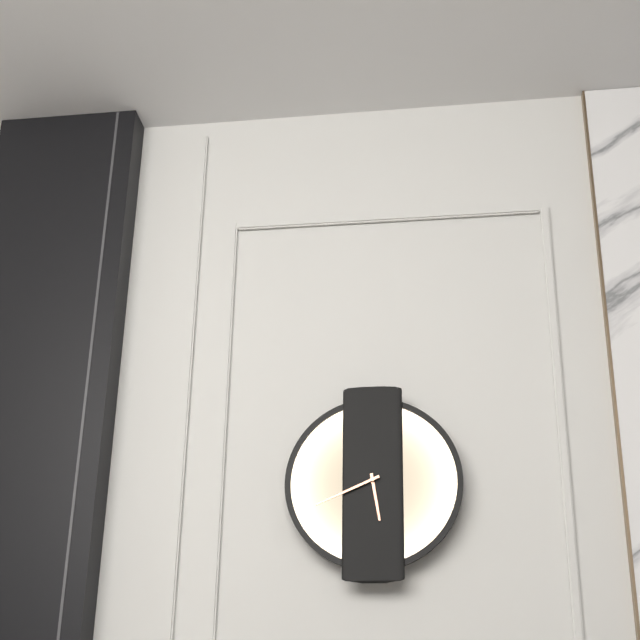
5 h 41 min
